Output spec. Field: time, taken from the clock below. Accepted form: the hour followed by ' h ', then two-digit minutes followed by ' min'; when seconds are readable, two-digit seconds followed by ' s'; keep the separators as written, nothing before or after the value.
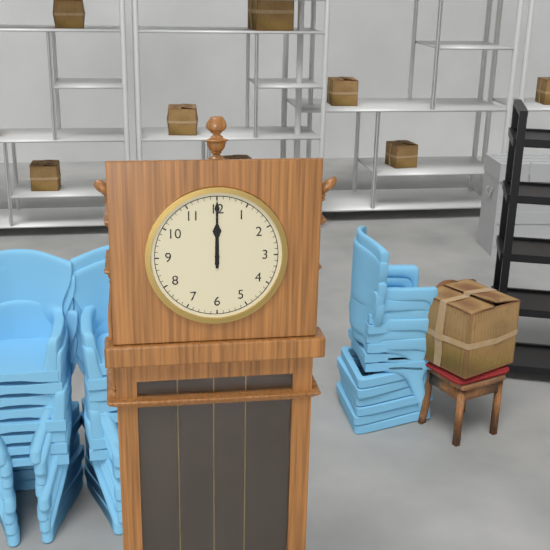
12 h 00 min
